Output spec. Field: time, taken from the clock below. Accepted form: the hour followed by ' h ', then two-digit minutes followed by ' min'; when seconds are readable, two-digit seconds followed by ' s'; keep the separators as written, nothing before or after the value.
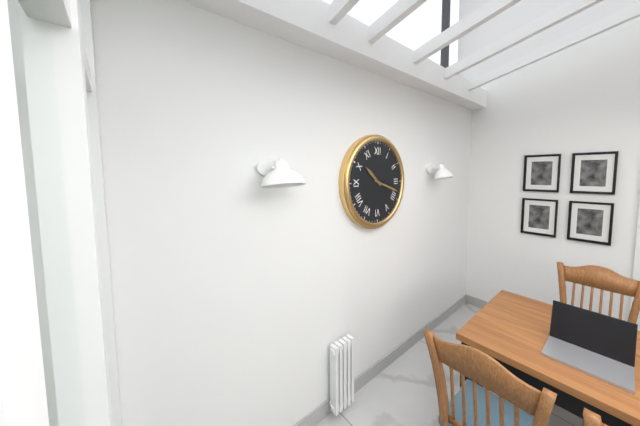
10 h 18 min
